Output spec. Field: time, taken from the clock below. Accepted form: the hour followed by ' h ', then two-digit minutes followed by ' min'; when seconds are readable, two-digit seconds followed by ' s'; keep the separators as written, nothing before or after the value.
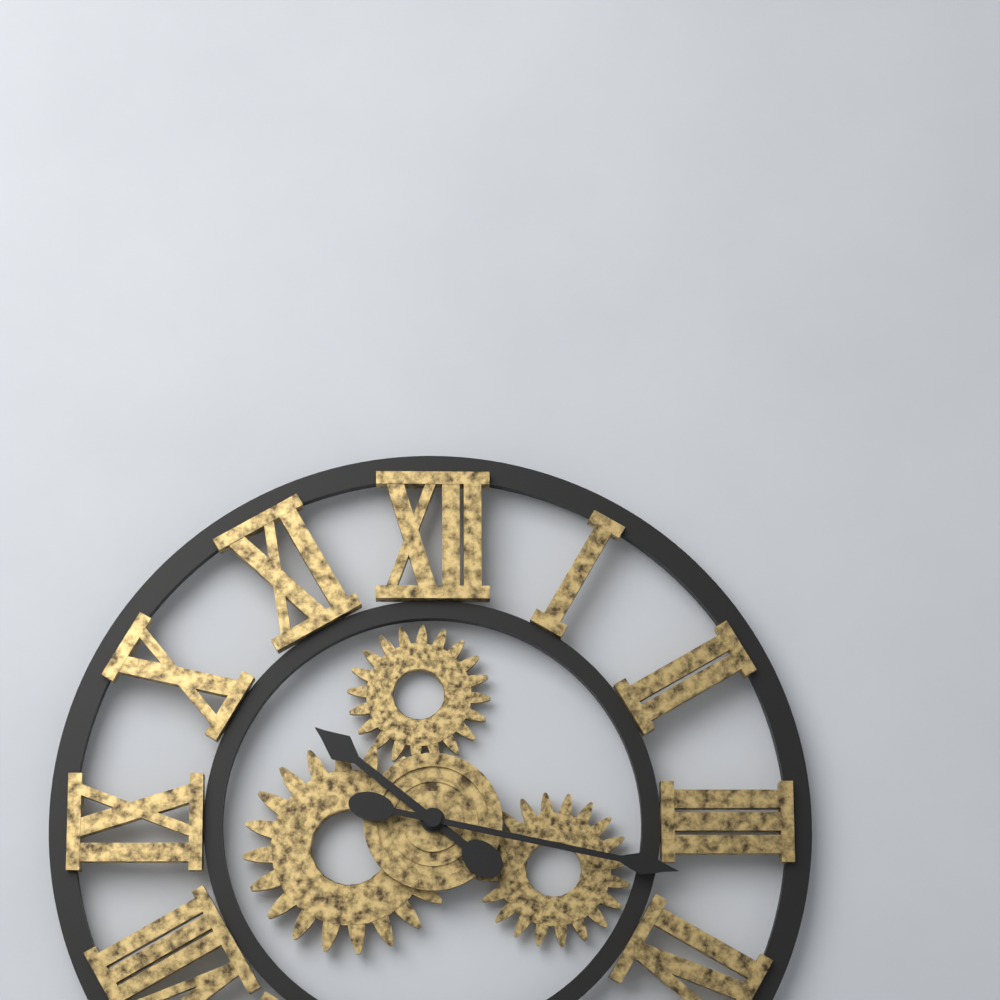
10 h 17 min
